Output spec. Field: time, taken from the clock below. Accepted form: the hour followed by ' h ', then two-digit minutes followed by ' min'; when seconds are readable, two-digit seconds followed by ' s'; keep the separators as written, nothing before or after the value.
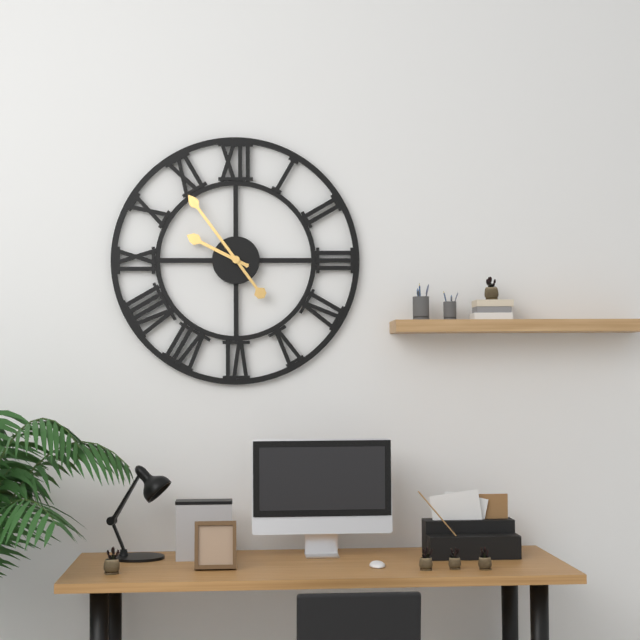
9 h 54 min
